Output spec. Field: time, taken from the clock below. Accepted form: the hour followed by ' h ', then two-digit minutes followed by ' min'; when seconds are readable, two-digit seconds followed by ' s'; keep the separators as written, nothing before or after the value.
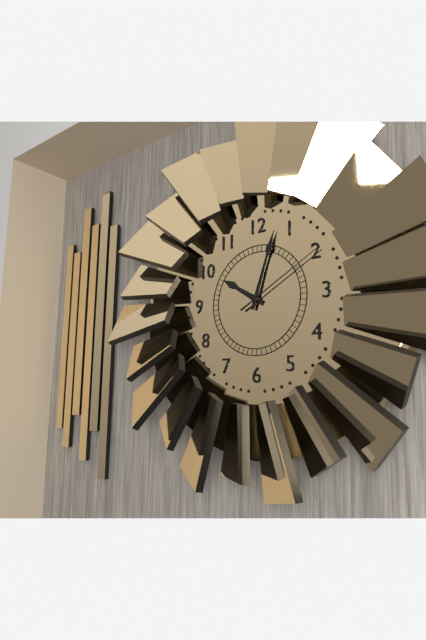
10 h 03 min 10 s
